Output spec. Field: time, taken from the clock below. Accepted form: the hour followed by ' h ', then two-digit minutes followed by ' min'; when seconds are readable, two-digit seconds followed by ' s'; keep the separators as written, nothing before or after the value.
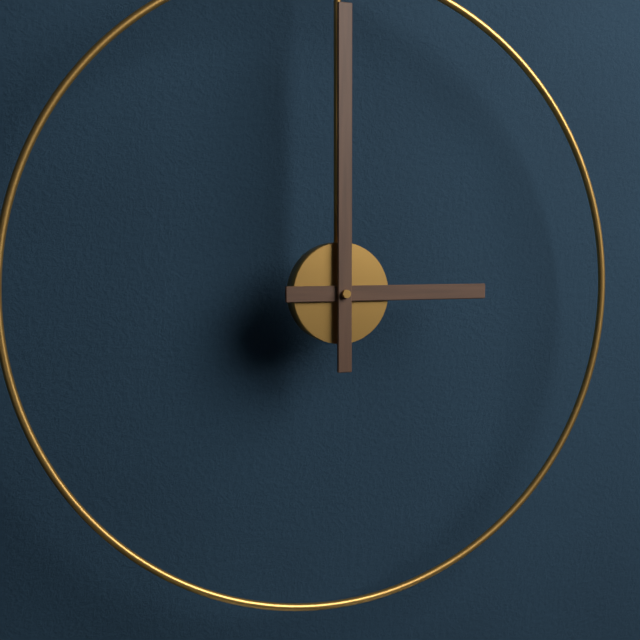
3 h 00 min
